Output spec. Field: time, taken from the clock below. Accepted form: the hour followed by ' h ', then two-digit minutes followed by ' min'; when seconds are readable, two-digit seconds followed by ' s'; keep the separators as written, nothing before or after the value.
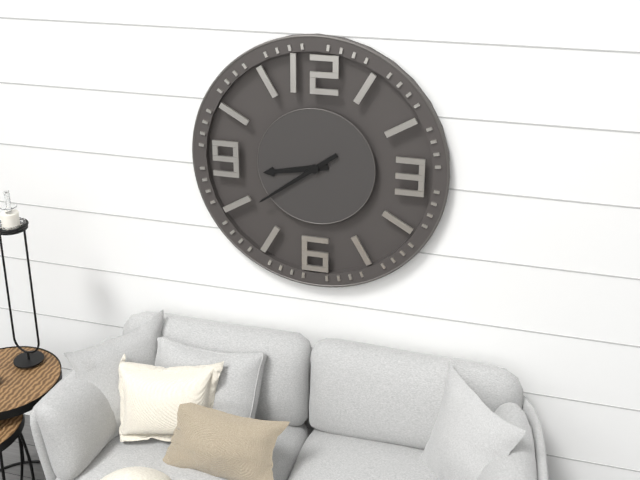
8 h 39 min
